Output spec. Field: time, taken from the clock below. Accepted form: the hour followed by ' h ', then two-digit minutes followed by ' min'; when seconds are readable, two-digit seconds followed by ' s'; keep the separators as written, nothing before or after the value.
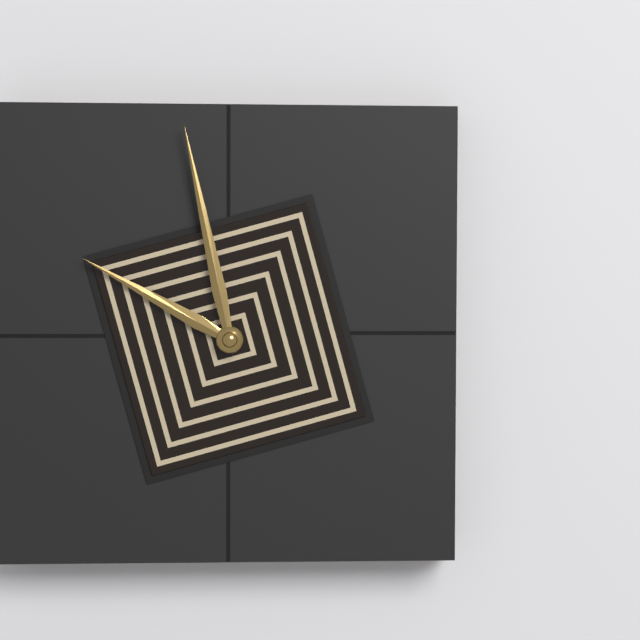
9 h 58 min
